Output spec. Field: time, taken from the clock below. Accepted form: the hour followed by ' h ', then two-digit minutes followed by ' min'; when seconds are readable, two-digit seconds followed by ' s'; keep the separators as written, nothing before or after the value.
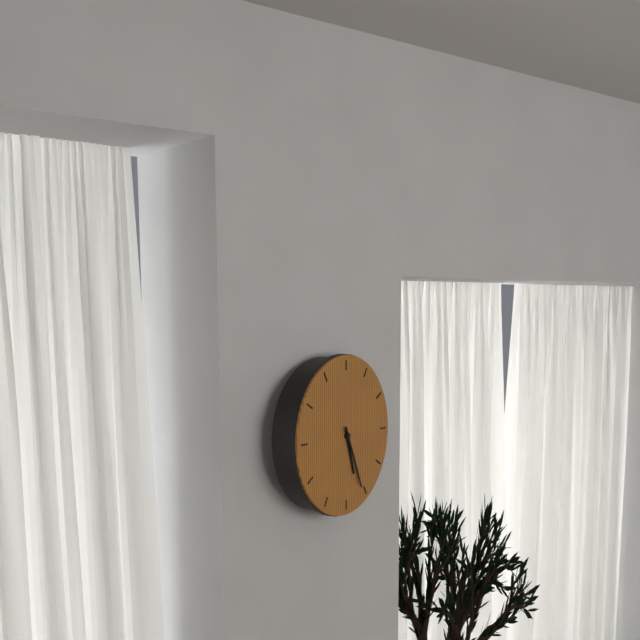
5 h 26 min
